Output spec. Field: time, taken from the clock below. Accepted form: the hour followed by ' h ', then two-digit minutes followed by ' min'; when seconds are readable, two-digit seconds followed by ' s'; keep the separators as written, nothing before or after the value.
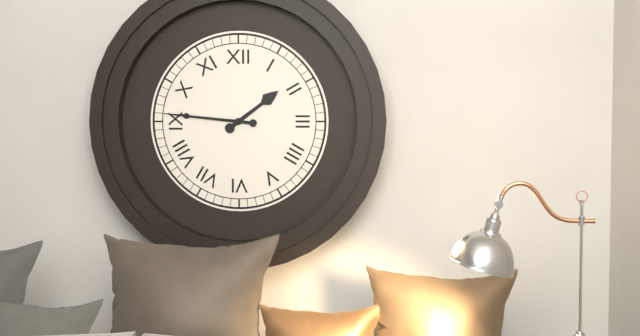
1 h 46 min
